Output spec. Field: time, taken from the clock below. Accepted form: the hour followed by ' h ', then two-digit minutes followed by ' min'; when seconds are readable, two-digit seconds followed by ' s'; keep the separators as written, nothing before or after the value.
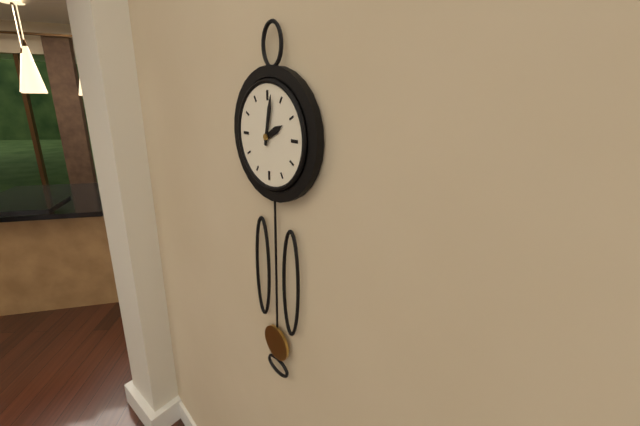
2 h 02 min
